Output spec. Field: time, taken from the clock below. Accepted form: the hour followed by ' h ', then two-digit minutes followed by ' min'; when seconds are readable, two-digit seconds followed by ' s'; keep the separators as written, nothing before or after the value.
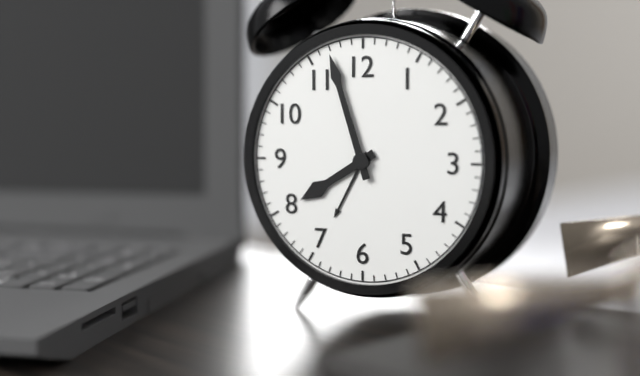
7 h 57 min
